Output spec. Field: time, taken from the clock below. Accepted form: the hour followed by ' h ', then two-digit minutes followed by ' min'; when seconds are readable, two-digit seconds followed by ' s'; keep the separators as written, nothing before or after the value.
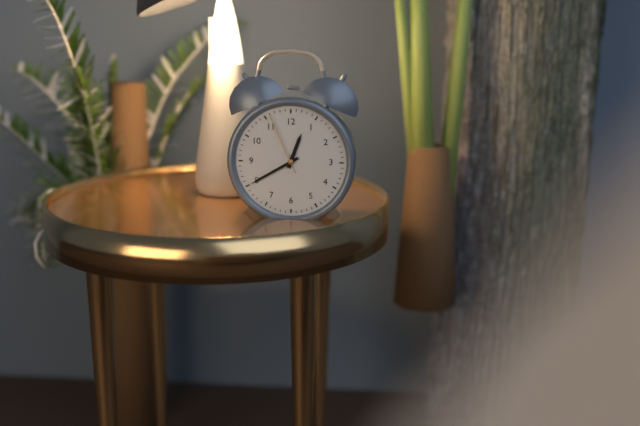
12 h 40 min 56 s
